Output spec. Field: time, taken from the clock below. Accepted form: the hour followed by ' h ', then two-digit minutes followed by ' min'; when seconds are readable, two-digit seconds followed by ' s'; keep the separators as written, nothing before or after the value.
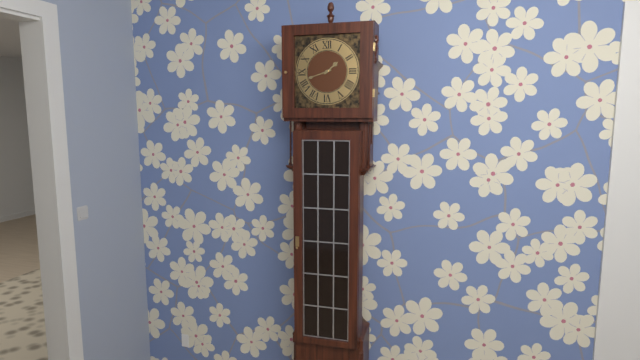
1 h 42 min
